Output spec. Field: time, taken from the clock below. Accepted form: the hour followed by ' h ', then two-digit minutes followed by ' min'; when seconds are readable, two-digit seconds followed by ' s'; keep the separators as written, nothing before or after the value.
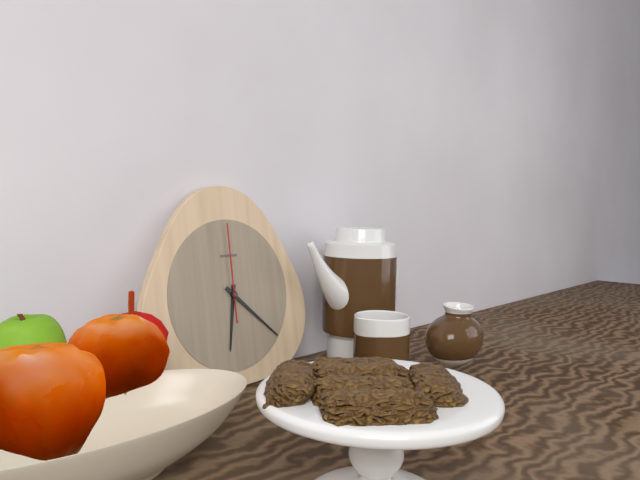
6 h 22 min 00 s
